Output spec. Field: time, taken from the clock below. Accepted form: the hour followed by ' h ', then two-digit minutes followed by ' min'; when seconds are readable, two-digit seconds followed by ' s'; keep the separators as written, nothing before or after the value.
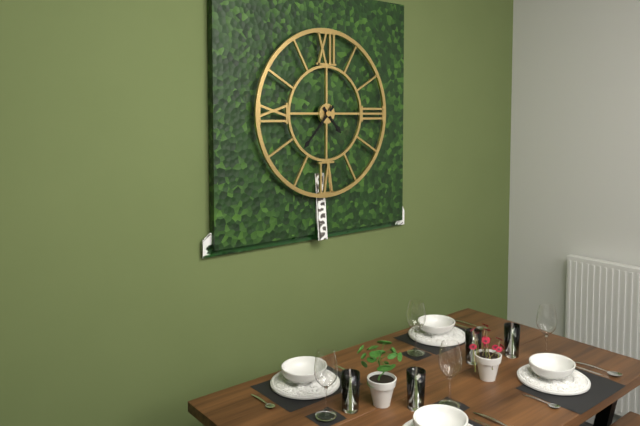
4 h 37 min
